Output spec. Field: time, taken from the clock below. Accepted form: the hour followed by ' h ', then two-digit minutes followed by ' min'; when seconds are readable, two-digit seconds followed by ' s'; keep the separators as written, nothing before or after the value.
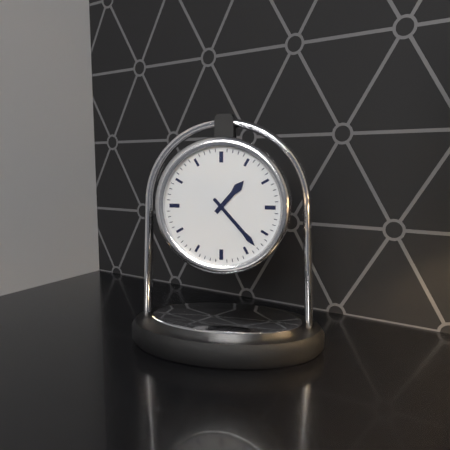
1 h 23 min
